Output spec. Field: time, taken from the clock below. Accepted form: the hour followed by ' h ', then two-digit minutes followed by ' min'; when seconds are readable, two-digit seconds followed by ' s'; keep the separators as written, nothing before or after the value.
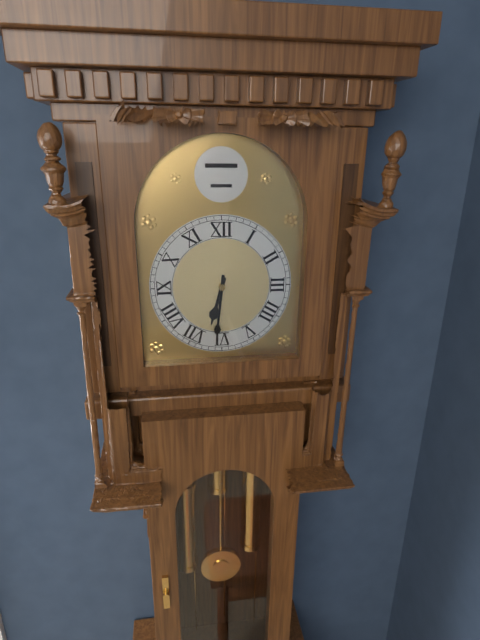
6 h 31 min
